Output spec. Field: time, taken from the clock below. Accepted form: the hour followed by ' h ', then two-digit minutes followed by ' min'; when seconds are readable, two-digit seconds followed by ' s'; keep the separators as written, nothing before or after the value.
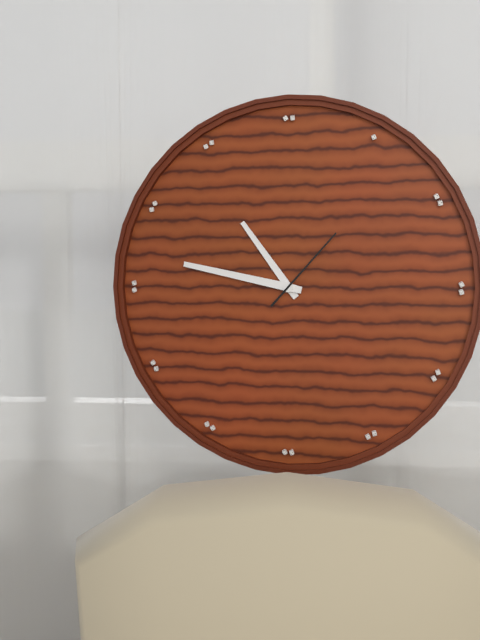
10 h 47 min 07 s
